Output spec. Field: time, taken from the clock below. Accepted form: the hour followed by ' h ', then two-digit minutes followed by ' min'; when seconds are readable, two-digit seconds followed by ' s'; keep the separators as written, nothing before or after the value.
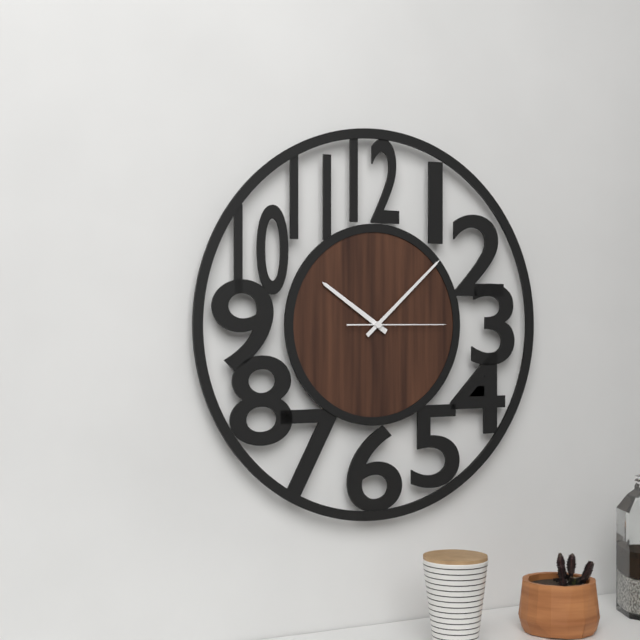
10 h 08 min 15 s
